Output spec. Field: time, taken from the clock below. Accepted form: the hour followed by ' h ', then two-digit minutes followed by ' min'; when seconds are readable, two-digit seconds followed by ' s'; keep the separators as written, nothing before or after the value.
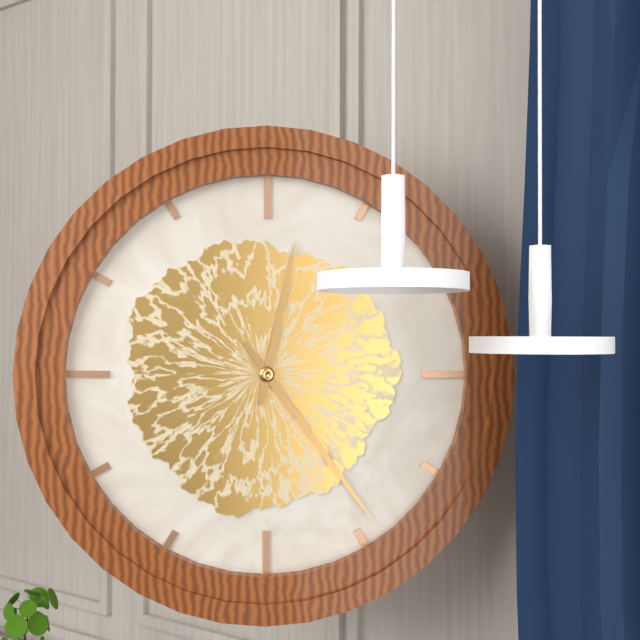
12 h 24 min
